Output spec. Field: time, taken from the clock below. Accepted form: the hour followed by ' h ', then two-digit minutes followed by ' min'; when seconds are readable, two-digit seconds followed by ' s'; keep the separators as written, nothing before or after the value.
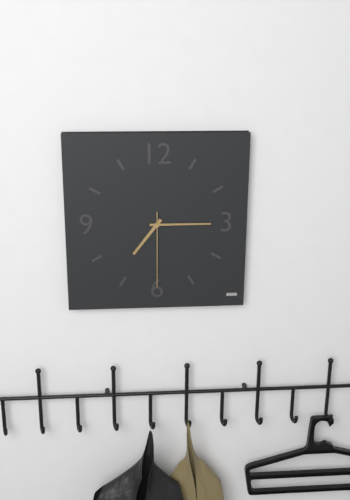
7 h 15 min 30 s
